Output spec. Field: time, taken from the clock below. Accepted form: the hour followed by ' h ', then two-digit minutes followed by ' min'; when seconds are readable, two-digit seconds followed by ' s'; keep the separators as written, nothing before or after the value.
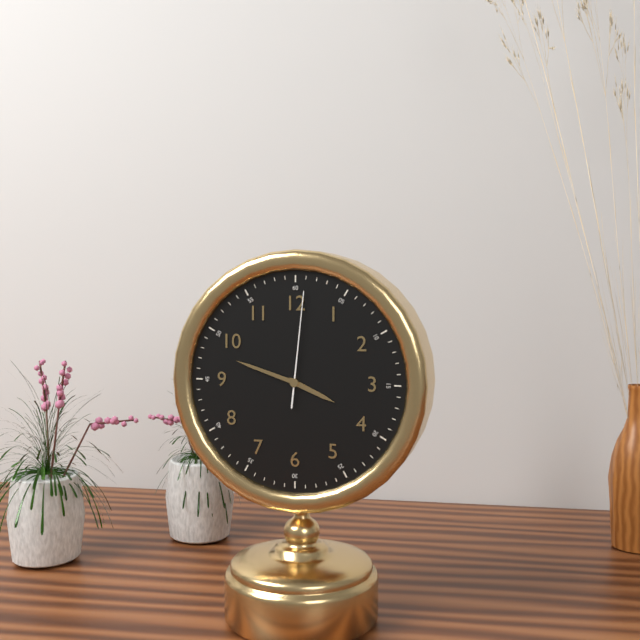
3 h 48 min 01 s
